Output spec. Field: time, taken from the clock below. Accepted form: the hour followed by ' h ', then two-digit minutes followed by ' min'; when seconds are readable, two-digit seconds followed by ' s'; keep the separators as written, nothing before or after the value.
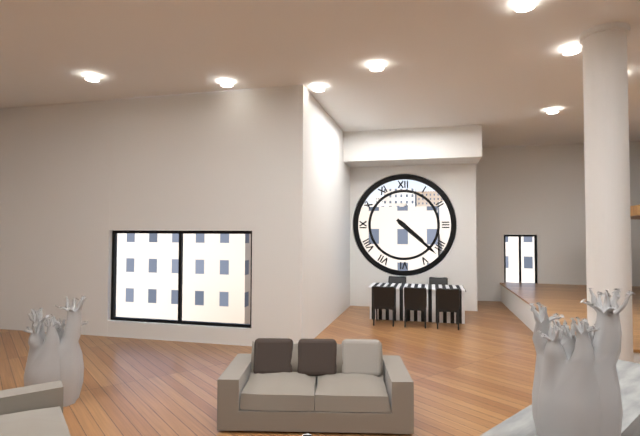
4 h 22 min
